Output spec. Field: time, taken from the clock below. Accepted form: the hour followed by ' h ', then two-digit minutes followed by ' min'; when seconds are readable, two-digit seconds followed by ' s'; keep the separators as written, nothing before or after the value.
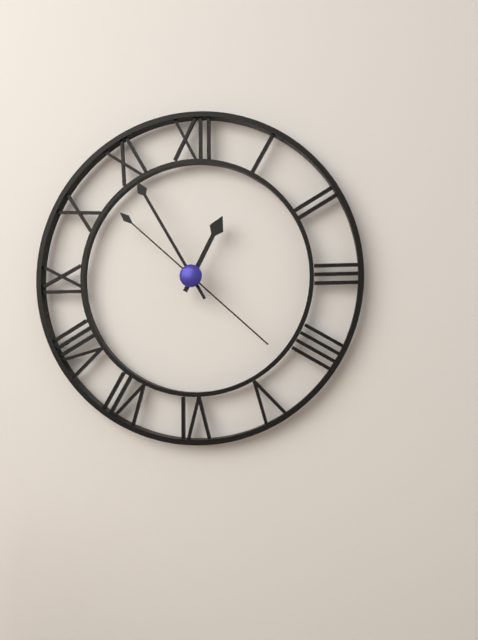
12 h 55 min 22 s
